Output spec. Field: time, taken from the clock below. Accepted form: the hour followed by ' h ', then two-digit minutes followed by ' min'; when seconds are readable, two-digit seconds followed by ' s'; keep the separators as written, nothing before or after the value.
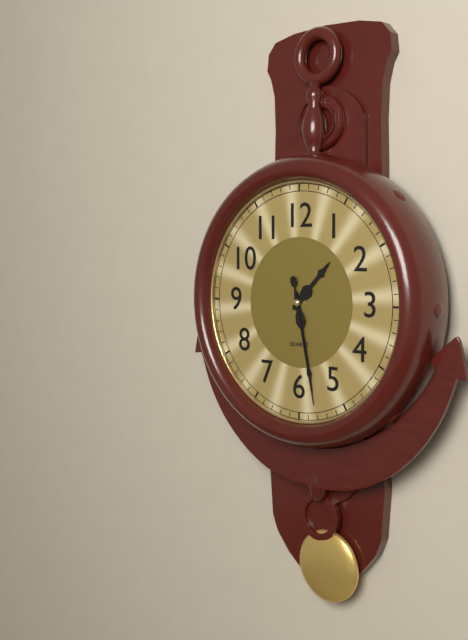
1 h 28 min 28 s
